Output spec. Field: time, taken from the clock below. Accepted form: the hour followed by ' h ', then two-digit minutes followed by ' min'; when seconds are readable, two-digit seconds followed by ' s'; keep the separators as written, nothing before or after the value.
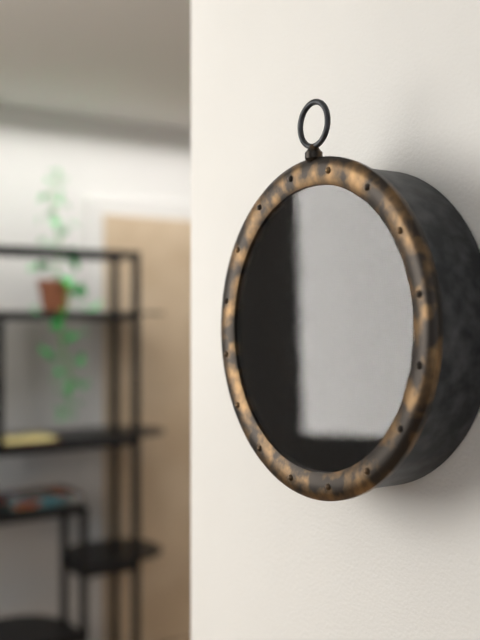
8 h 37 min
